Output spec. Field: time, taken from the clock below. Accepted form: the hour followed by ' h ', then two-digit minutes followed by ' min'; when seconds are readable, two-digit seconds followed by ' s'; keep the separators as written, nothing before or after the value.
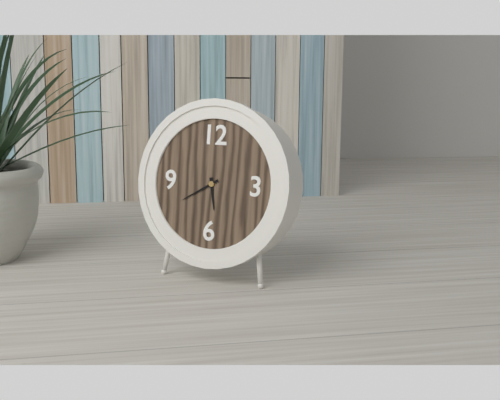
5 h 40 min
